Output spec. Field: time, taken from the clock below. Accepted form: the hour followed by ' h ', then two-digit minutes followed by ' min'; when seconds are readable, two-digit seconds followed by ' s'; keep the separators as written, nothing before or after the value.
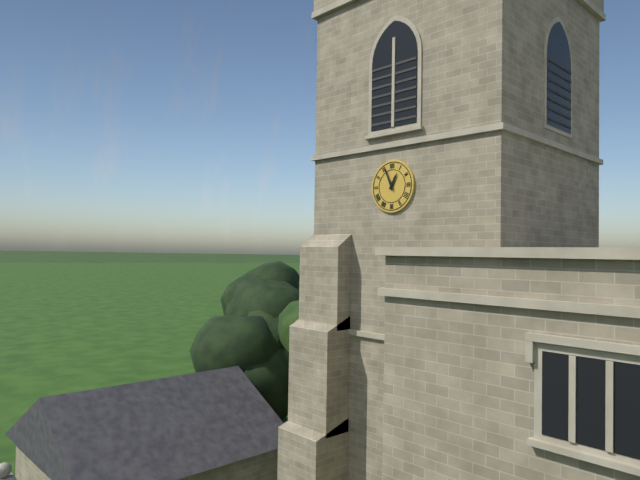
12 h 56 min
